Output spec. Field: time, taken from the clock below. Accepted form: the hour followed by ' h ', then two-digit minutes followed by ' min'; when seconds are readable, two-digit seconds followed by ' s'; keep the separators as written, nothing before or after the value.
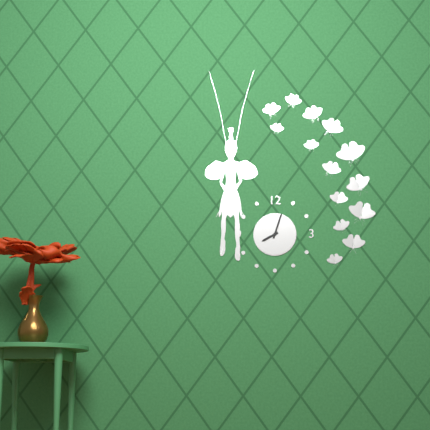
8 h 03 min
